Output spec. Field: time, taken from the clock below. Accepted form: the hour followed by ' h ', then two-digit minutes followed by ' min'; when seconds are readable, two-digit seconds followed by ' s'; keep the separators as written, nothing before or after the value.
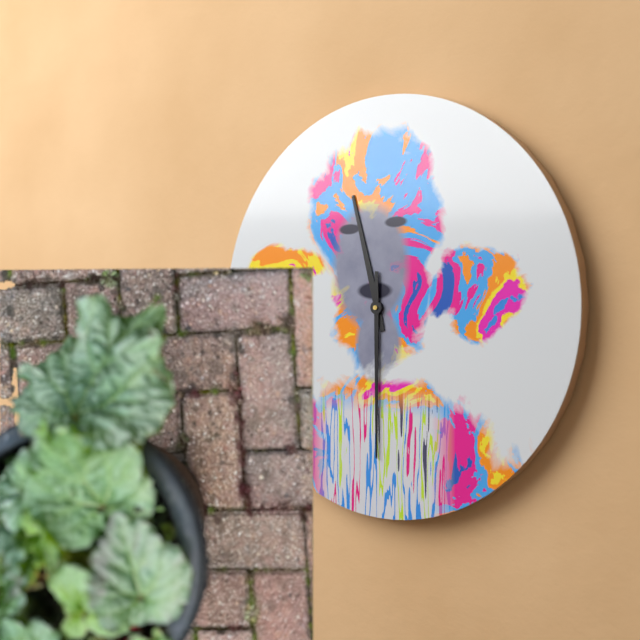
11 h 30 min
